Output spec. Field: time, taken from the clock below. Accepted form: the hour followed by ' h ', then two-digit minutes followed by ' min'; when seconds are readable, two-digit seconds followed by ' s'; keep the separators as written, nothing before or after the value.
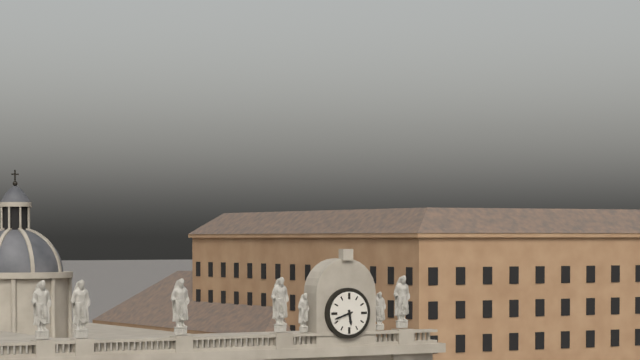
5 h 42 min
